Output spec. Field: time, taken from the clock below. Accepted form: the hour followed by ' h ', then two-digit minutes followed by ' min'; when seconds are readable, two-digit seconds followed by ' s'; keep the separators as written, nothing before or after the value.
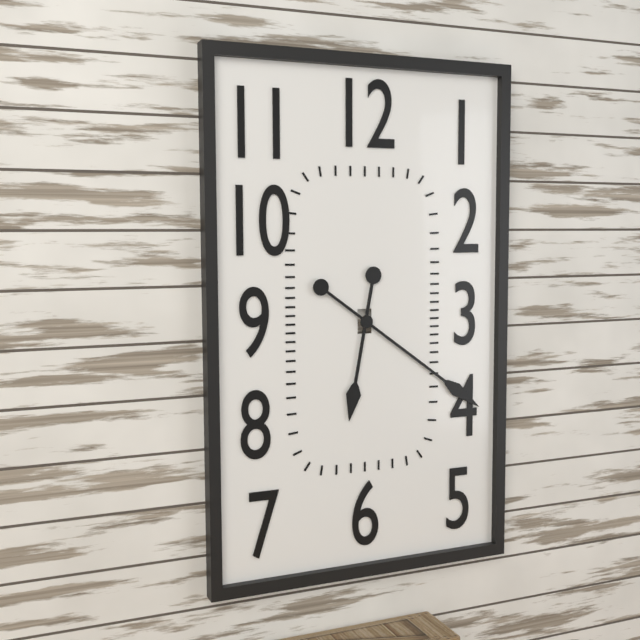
6 h 21 min
